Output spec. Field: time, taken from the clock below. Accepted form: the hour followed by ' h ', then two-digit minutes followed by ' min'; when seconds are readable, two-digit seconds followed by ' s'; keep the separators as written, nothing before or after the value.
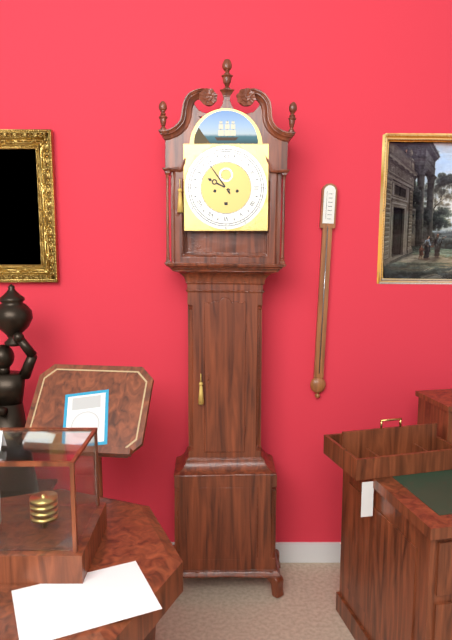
9 h 54 min
